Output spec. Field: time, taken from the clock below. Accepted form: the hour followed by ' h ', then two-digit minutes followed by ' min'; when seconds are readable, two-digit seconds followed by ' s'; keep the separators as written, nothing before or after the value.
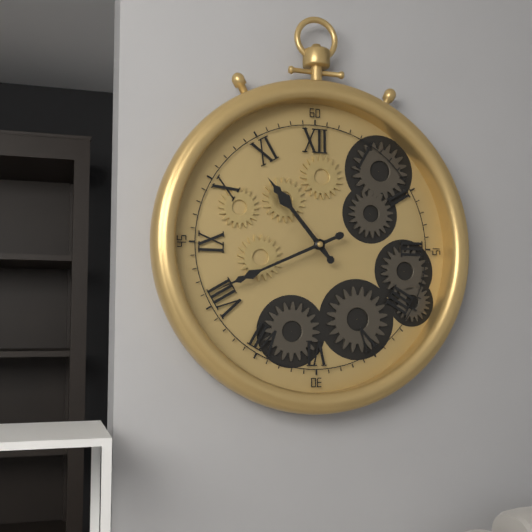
10 h 41 min
